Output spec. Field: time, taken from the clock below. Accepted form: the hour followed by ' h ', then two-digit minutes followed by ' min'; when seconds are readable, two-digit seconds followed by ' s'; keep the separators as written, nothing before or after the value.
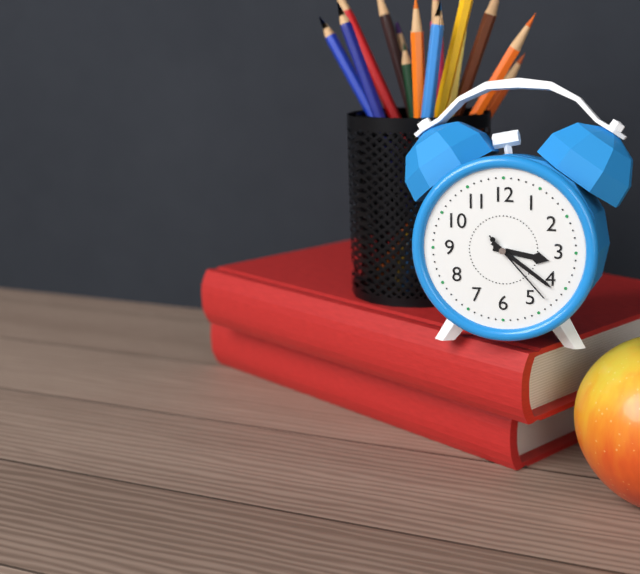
3 h 21 min 23 s
